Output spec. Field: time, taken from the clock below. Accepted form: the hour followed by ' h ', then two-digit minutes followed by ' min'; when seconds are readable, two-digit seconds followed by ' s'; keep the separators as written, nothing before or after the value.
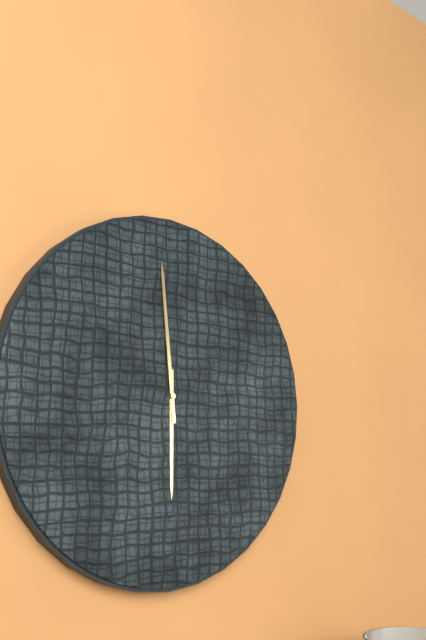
5 h 59 min
